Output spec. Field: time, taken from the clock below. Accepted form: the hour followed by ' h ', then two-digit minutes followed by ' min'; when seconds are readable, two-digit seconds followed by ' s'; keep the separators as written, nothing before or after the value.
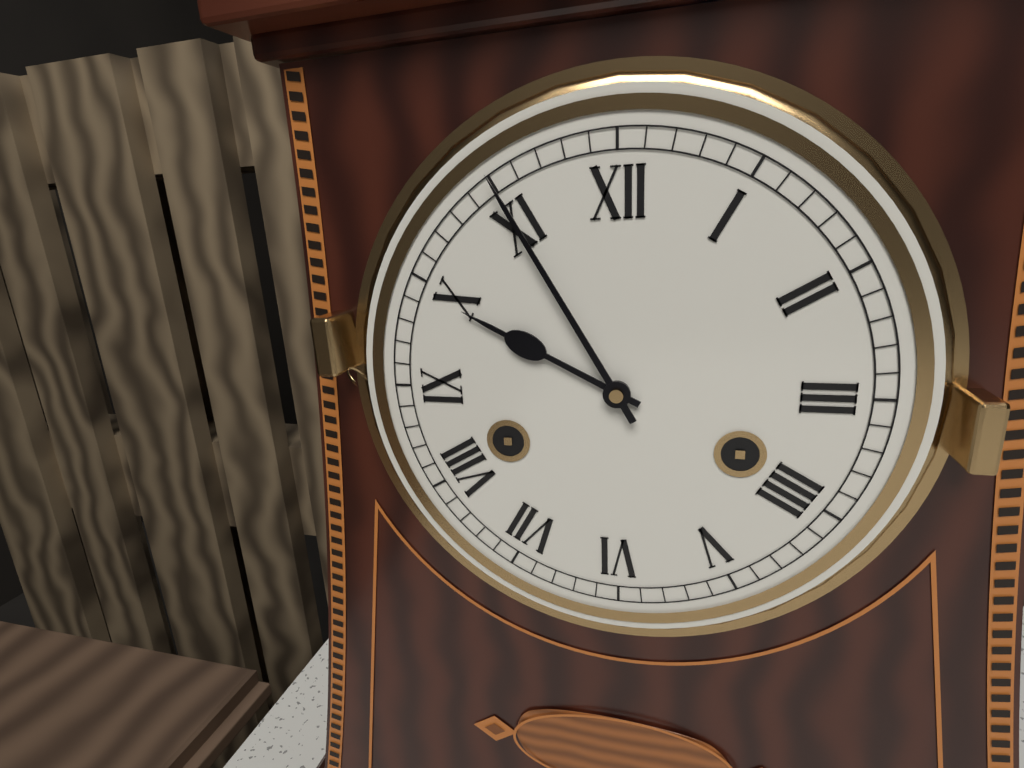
9 h 55 min
